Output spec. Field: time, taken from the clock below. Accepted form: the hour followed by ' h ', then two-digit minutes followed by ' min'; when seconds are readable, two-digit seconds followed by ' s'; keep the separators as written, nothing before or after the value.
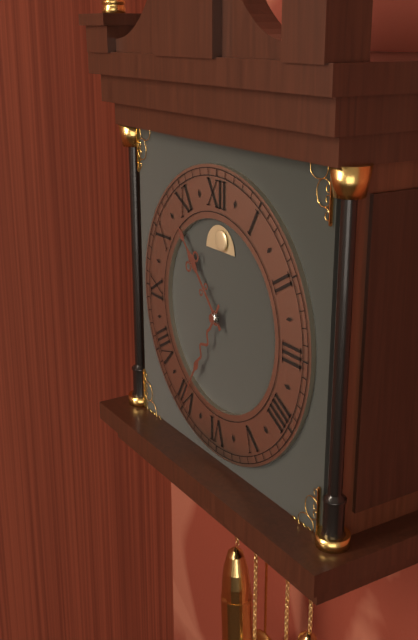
10 h 35 min
